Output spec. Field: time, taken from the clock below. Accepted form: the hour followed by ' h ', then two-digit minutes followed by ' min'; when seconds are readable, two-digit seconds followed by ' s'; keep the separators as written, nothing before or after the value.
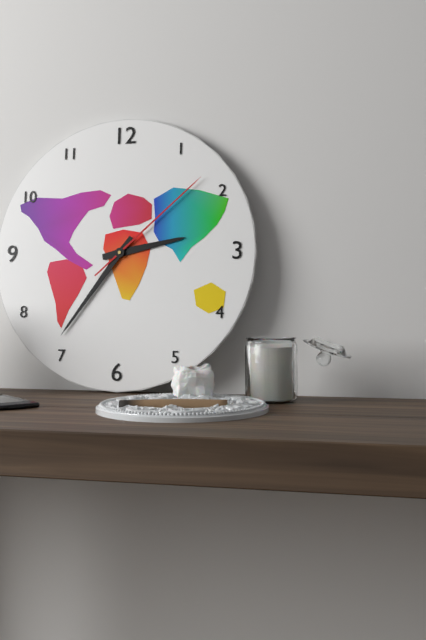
2 h 36 min 08 s
